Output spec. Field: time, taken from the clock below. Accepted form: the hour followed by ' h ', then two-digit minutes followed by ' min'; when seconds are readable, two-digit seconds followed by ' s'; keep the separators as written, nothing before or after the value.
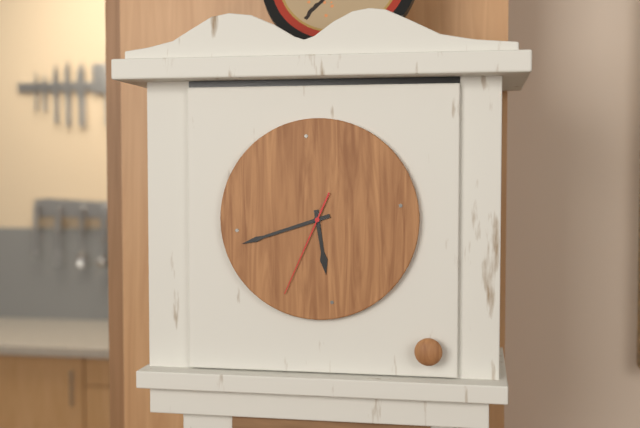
5 h 42 min 34 s
